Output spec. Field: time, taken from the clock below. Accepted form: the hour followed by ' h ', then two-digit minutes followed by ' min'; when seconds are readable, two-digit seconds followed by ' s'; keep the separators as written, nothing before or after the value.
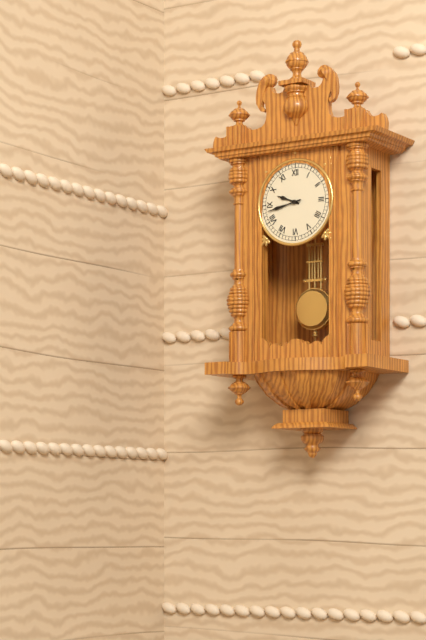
9 h 43 min
